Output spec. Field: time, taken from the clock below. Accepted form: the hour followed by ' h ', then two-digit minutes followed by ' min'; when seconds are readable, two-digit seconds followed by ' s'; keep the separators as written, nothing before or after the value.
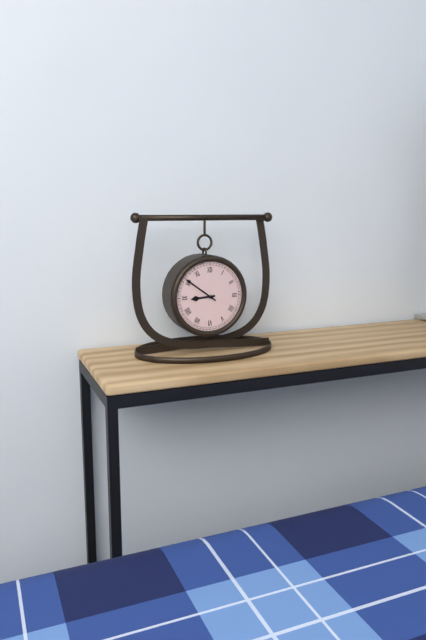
8 h 51 min
